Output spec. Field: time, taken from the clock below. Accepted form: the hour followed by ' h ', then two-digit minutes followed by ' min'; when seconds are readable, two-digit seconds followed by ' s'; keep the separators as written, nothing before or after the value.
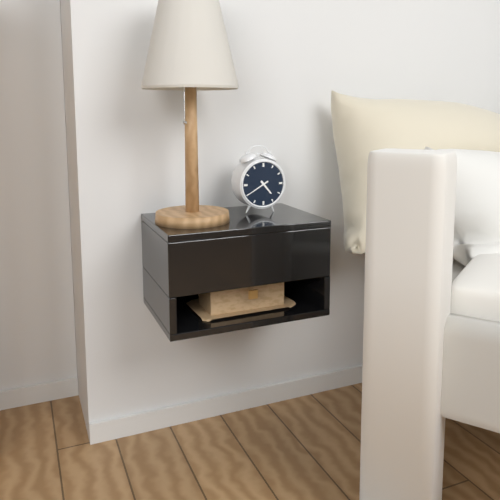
4 h 40 min
